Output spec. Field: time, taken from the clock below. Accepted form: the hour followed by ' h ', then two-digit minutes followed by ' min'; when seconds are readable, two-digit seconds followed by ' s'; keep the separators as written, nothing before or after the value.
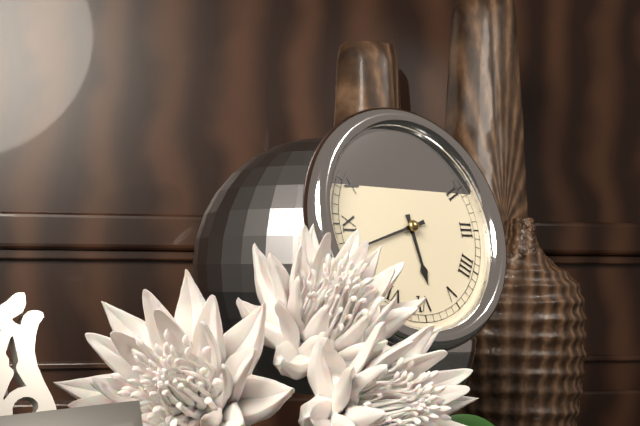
5 h 42 min
